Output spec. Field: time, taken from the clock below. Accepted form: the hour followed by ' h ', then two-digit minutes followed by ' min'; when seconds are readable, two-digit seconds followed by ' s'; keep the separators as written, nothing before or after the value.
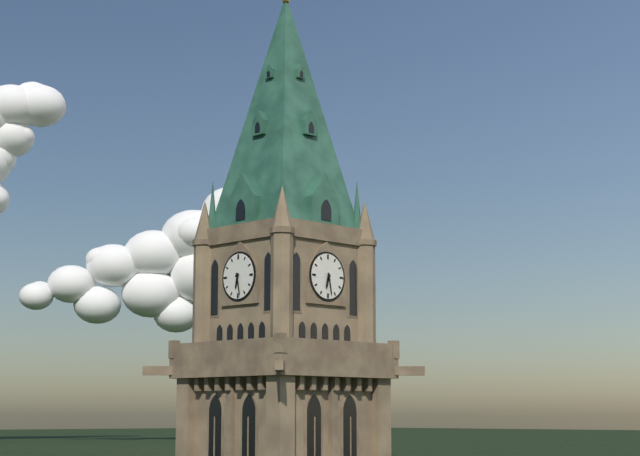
6 h 28 min
